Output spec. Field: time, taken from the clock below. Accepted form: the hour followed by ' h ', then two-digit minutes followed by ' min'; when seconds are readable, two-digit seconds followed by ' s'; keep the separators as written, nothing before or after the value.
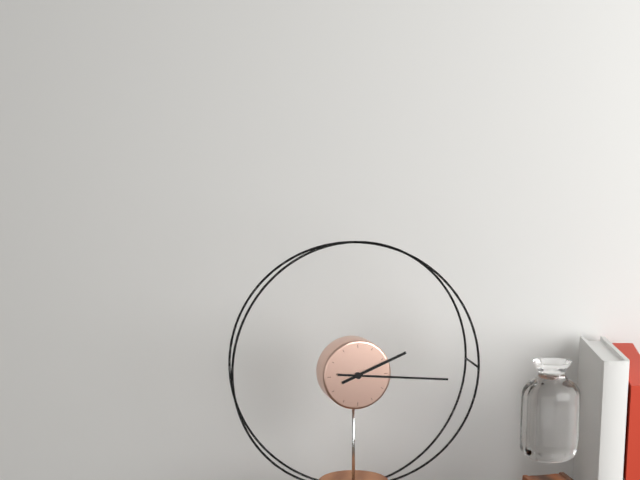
2 h 16 min
